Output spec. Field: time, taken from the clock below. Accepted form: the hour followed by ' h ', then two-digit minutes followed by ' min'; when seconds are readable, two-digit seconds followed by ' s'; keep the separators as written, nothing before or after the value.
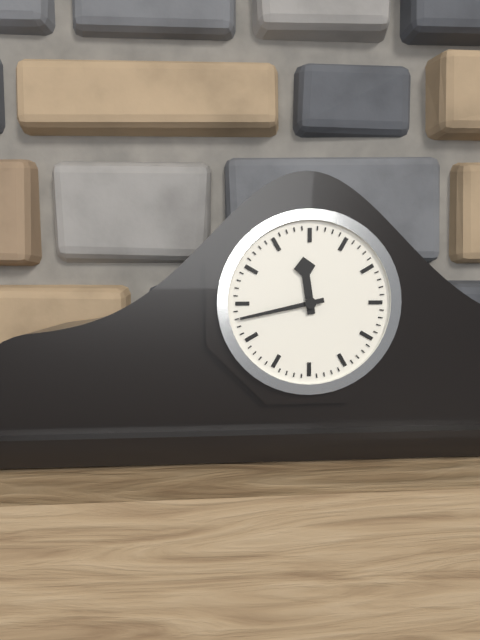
11 h 43 min
